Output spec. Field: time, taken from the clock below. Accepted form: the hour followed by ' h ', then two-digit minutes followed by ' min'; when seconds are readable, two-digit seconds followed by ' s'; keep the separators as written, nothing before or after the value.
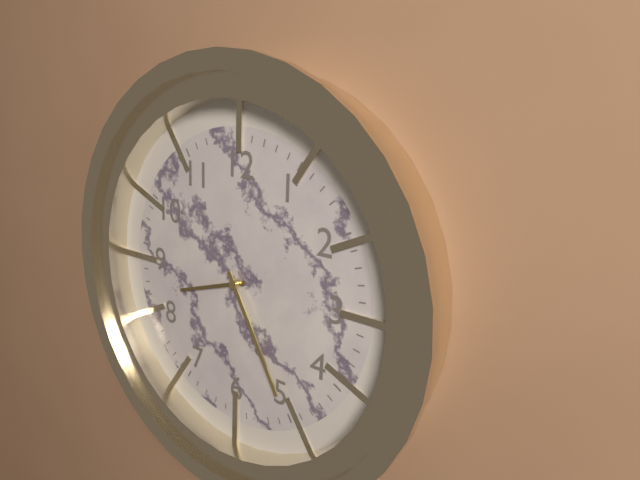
8 h 25 min
